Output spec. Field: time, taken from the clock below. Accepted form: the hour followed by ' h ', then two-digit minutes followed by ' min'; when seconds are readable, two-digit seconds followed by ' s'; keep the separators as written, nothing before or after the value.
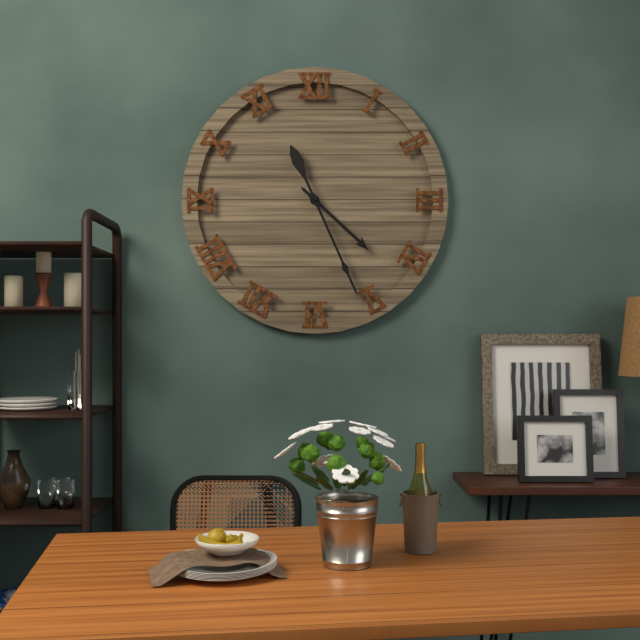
4 h 26 min
